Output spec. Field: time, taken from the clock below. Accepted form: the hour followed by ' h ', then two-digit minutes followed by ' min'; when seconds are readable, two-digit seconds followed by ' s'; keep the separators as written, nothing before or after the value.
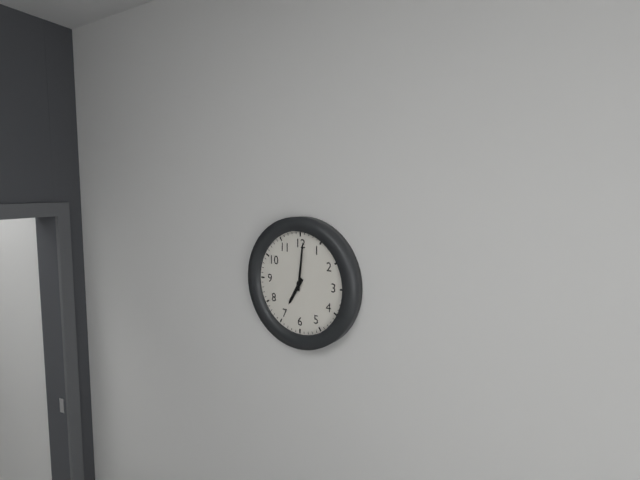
7 h 01 min
